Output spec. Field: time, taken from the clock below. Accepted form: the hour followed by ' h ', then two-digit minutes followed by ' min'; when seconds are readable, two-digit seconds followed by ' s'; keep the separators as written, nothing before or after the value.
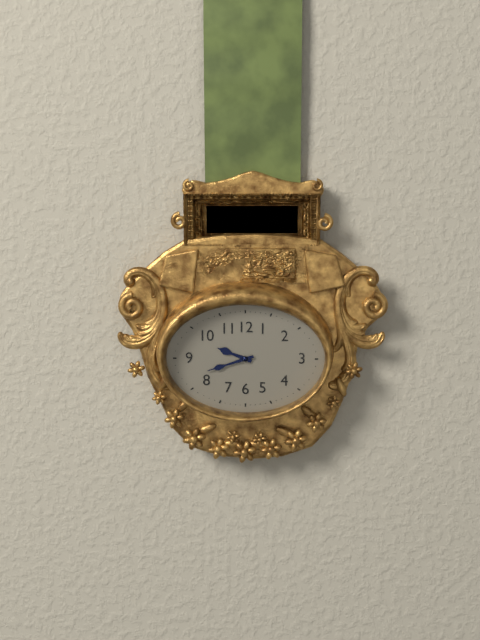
9 h 42 min
